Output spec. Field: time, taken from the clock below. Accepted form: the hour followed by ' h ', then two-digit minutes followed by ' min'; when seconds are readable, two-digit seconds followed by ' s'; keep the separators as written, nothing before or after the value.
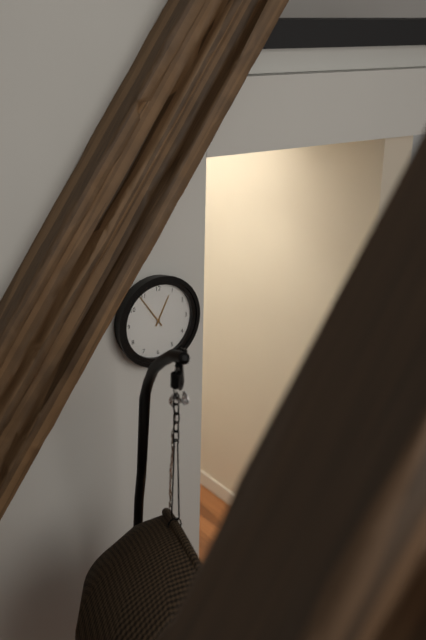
12 h 54 min
